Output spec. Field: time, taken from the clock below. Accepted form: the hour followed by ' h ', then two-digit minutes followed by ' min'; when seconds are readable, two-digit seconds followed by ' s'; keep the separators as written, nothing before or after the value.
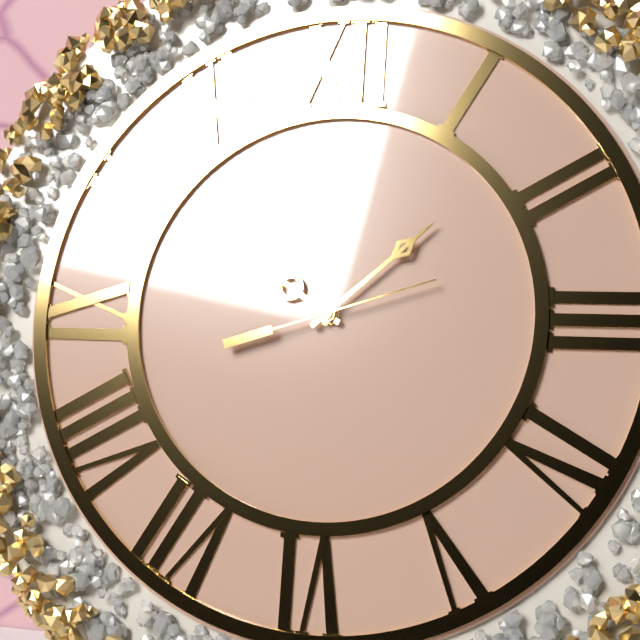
10 h 08 min 12 s
